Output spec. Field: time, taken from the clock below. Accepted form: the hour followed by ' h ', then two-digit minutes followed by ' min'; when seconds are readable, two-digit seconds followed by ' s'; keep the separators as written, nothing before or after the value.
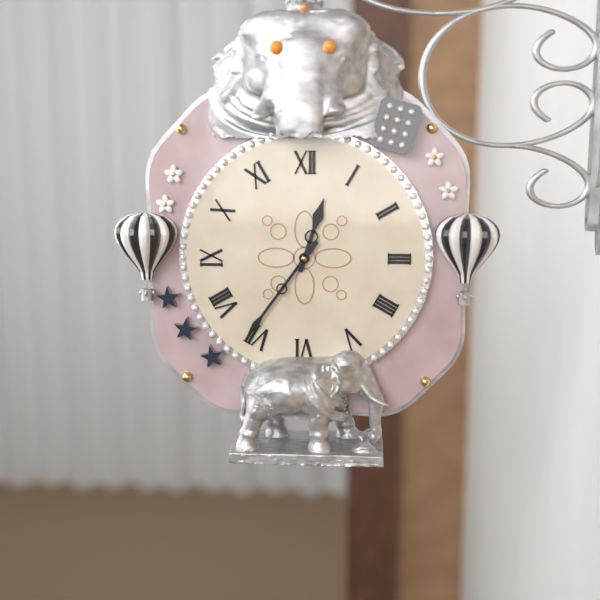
12 h 36 min
